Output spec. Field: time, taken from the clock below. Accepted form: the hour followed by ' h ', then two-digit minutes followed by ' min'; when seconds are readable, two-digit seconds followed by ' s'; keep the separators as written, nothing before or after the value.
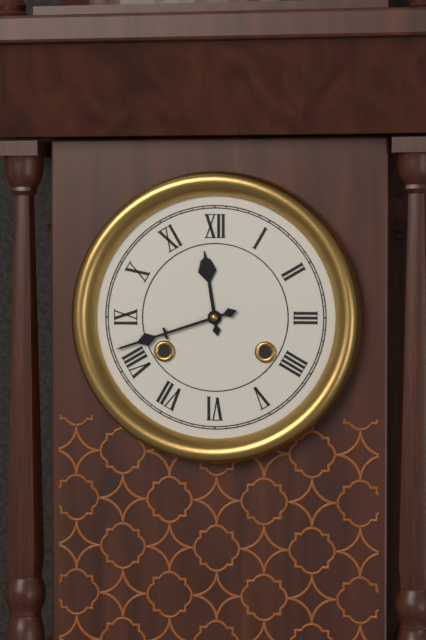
11 h 42 min
